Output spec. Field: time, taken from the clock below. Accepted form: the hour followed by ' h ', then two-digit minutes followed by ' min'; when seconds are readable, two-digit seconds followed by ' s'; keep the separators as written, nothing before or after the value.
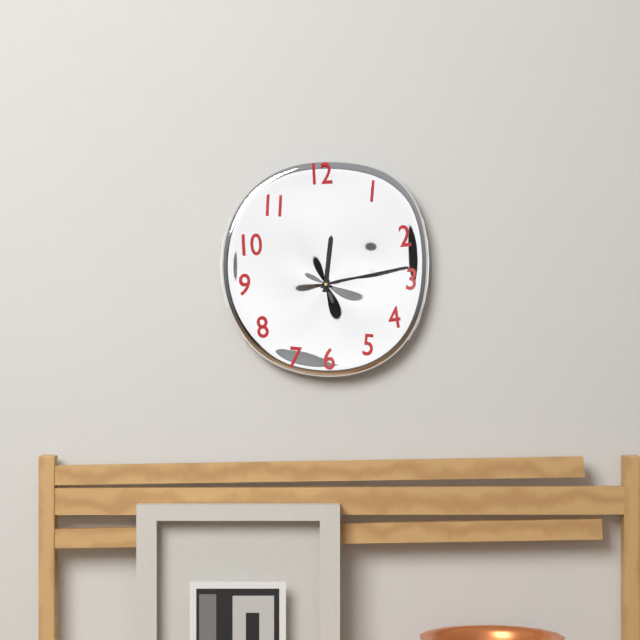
12 h 13 min
